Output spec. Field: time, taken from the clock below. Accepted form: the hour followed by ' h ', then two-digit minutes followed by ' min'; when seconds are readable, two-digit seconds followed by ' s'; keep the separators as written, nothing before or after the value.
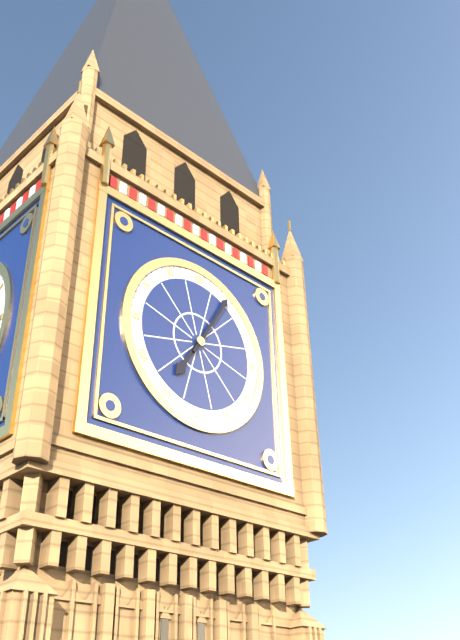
7 h 05 min
